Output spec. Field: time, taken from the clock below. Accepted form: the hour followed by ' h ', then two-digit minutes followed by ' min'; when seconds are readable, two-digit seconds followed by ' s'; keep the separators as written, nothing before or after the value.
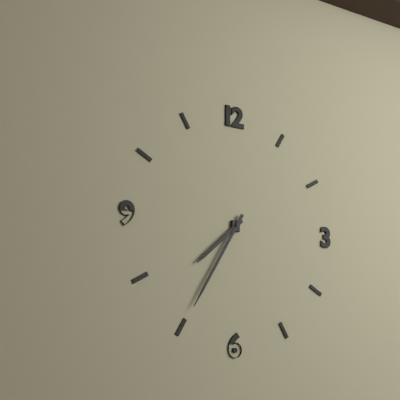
7 h 35 min
